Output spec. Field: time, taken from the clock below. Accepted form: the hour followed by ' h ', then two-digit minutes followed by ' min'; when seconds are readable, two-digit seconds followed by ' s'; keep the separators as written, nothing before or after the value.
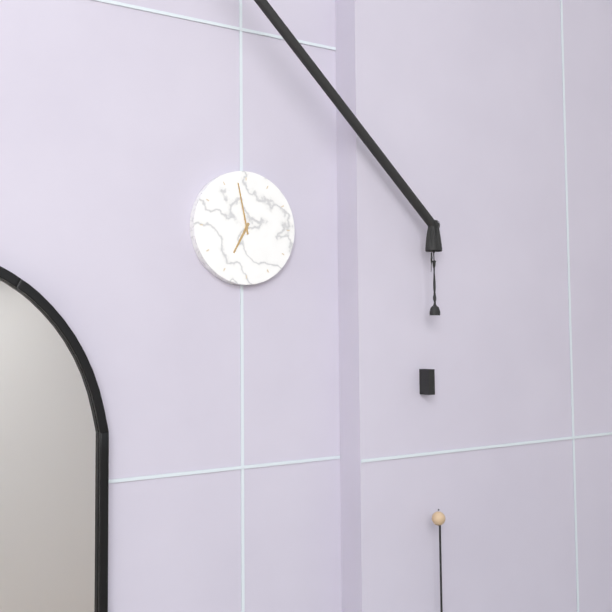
6 h 58 min
